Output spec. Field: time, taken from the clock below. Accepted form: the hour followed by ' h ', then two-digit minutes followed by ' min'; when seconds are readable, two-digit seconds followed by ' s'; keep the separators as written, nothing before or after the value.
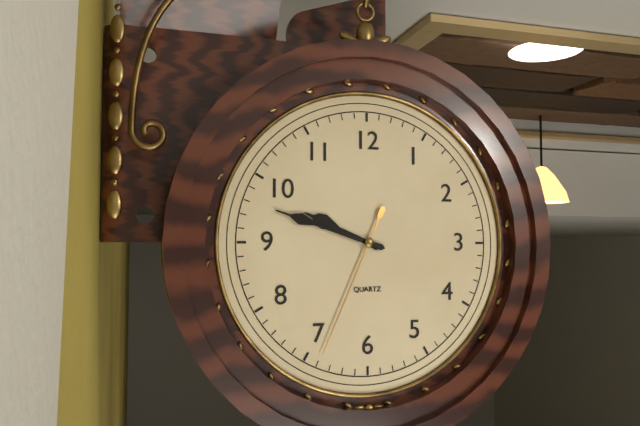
9 h 48 min 34 s
